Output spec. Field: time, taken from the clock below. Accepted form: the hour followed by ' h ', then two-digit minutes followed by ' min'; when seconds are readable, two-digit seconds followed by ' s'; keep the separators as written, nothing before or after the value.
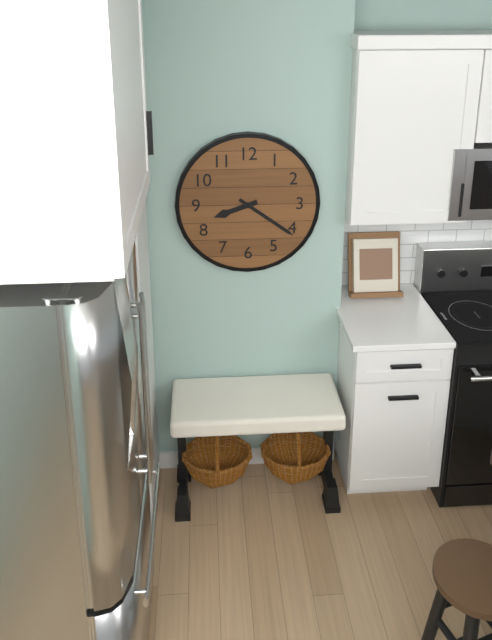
8 h 21 min
